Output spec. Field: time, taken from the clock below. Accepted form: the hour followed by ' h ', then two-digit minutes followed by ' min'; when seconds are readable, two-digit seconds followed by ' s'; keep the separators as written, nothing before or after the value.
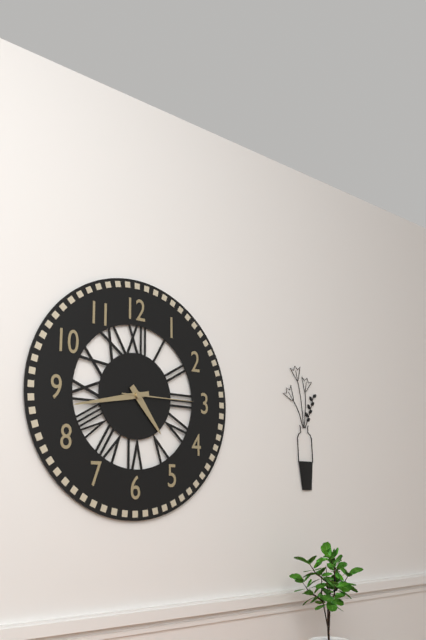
4 h 43 min 15 s
